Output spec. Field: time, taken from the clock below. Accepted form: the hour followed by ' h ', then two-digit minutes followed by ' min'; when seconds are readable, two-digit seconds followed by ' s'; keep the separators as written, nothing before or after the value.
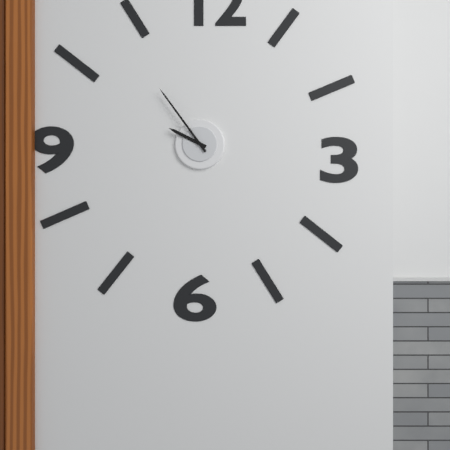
9 h 54 min
